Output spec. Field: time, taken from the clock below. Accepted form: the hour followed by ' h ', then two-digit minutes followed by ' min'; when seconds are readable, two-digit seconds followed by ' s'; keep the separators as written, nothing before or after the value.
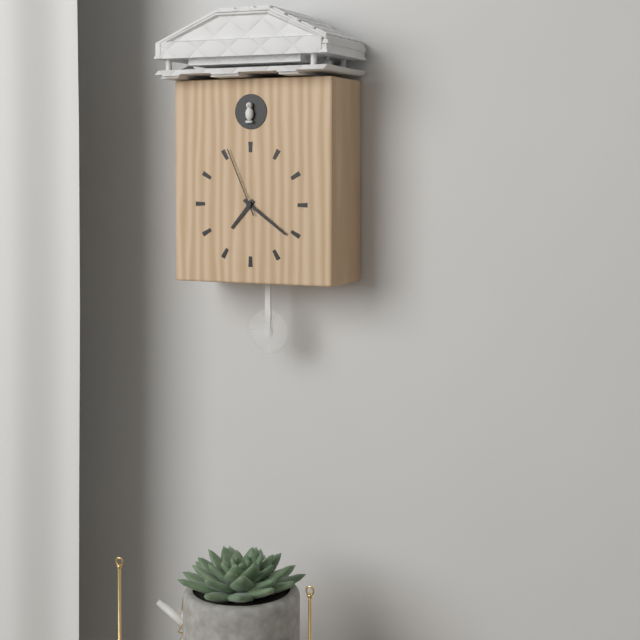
7 h 21 min 56 s
